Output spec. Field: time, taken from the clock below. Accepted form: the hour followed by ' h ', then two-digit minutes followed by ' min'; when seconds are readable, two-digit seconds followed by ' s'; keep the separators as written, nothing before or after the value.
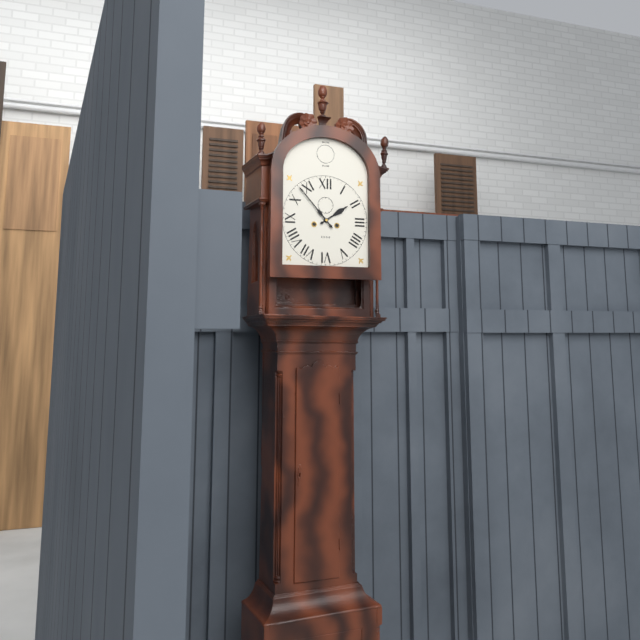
1 h 53 min
